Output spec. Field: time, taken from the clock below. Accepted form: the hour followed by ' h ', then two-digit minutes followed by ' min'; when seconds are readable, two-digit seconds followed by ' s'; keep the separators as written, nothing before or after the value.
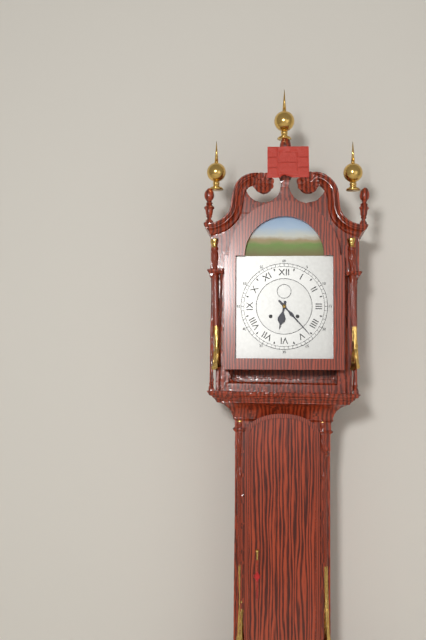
6 h 23 min
